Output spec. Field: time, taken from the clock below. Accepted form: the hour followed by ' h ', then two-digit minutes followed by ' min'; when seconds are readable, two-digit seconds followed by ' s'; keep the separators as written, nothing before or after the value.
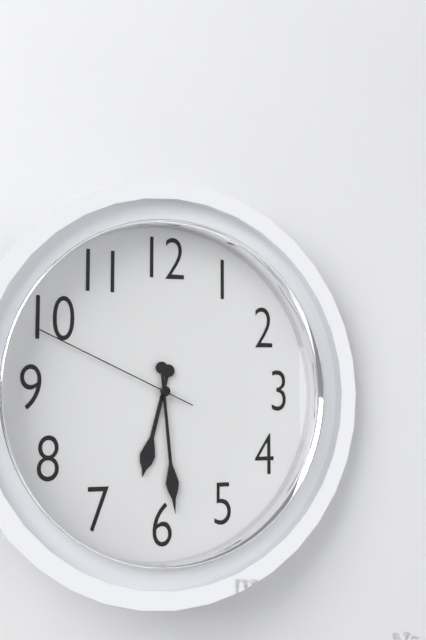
6 h 29 min 49 s
